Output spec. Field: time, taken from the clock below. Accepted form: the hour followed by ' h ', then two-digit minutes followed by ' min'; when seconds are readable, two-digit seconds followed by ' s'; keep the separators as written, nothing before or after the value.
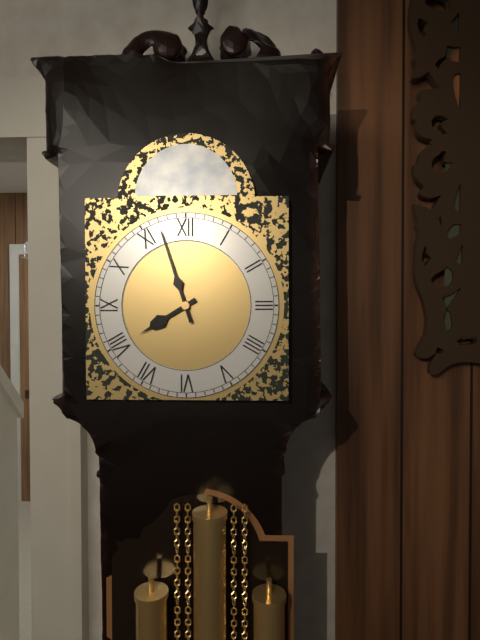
7 h 57 min
